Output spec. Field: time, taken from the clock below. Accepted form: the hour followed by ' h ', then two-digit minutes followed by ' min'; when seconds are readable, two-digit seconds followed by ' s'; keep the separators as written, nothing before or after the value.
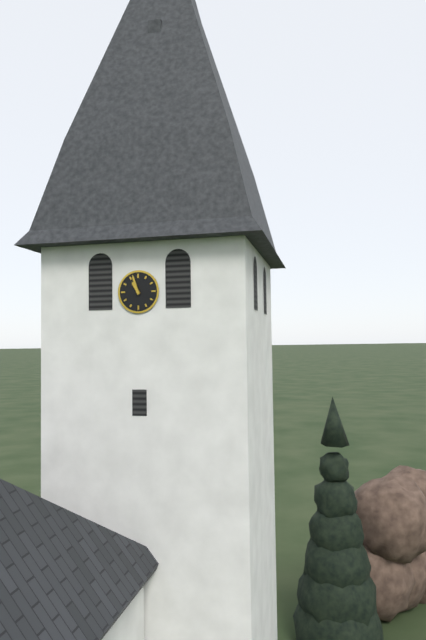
10 h 57 min
